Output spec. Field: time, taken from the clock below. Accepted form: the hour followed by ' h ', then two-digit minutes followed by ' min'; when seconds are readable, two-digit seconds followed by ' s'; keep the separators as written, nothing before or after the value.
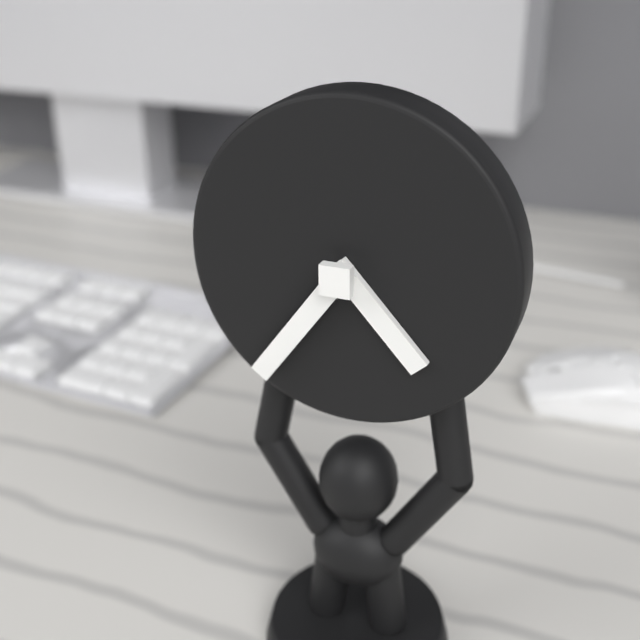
4 h 36 min
